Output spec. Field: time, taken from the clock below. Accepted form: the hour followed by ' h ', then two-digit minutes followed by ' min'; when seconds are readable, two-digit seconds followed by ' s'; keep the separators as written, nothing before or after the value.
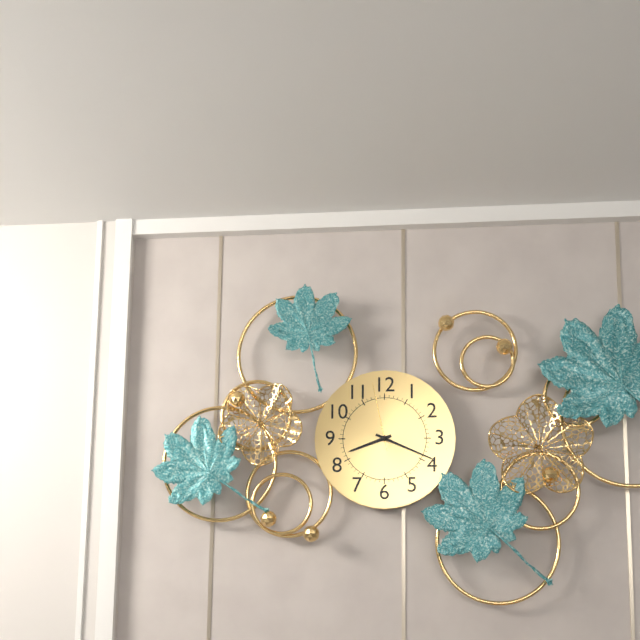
8 h 19 min 58 s
